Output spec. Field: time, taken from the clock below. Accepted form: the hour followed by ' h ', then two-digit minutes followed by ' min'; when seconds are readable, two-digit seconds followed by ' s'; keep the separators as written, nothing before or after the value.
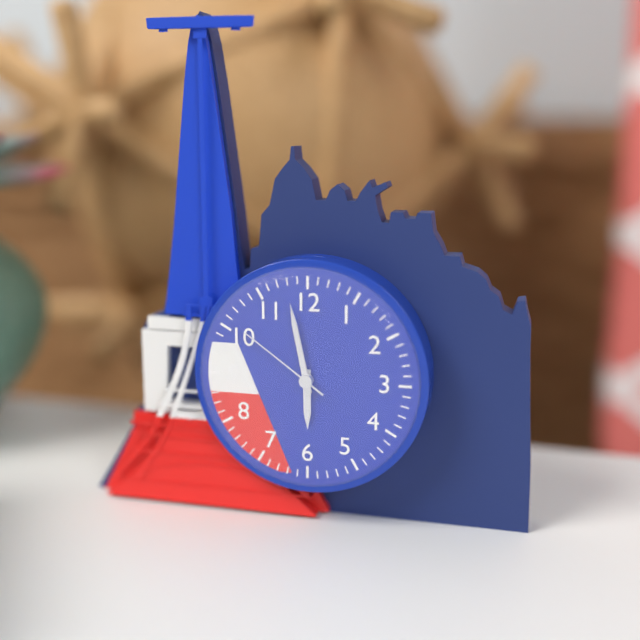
5 h 58 min 51 s
